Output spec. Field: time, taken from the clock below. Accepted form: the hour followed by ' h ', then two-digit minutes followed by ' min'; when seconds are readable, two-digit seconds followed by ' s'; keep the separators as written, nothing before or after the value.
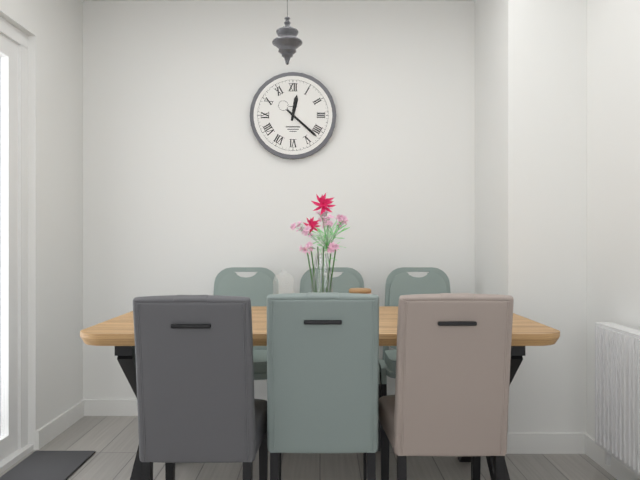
12 h 22 min
